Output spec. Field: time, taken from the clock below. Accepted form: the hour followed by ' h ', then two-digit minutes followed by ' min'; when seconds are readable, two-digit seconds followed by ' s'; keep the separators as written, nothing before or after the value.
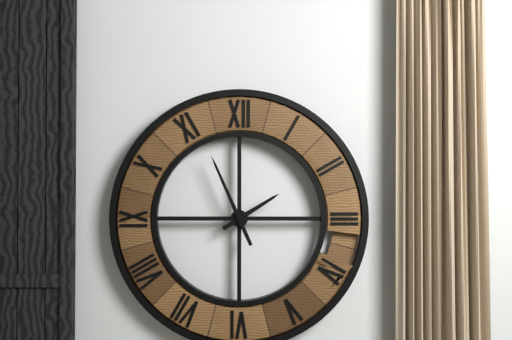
1 h 56 min
